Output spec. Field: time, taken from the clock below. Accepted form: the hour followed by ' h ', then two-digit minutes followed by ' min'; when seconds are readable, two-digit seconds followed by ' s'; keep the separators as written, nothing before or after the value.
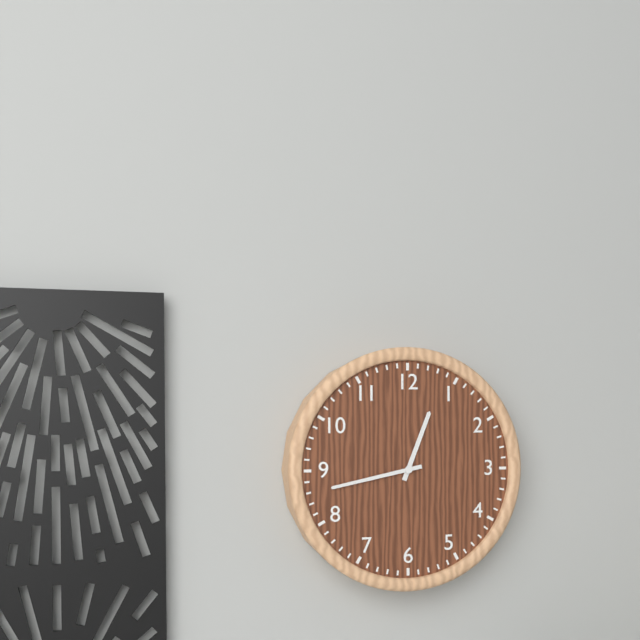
12 h 43 min
